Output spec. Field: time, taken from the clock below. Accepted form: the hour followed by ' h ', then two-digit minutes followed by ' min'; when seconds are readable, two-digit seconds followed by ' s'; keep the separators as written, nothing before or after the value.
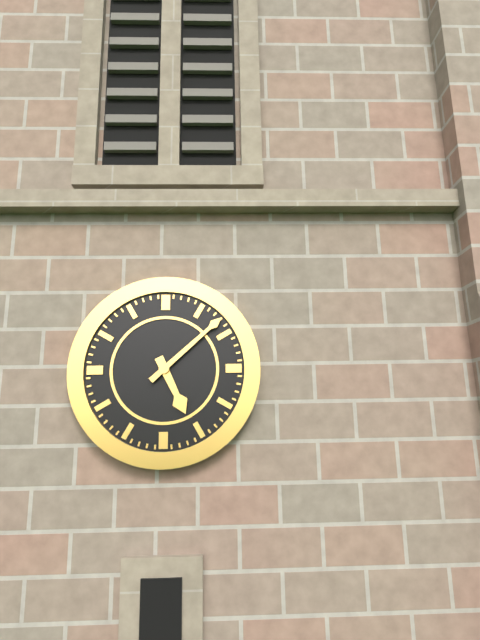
5 h 08 min
